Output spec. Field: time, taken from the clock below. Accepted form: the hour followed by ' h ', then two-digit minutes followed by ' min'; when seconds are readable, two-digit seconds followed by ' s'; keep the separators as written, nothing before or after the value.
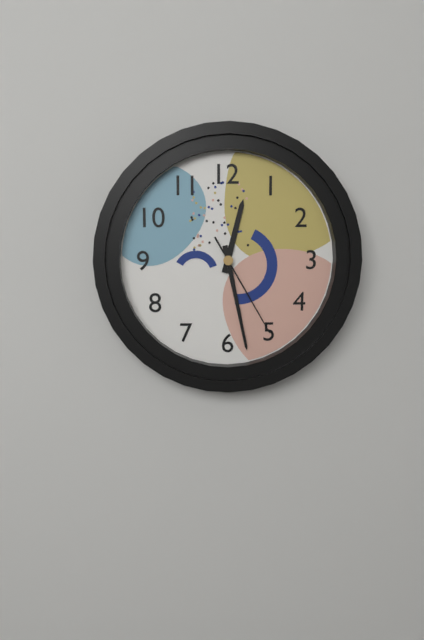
12 h 28 min 25 s
